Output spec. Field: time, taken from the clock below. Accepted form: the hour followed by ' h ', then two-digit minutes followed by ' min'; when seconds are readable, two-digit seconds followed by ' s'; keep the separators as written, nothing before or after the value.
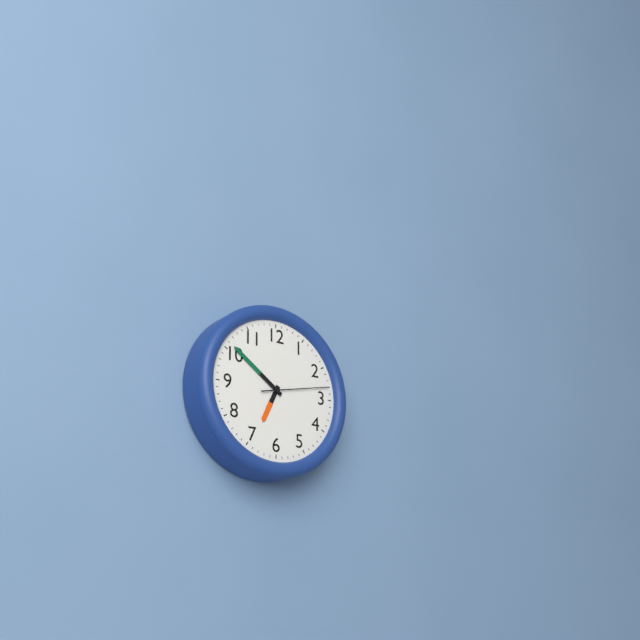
6 h 51 min 13 s
